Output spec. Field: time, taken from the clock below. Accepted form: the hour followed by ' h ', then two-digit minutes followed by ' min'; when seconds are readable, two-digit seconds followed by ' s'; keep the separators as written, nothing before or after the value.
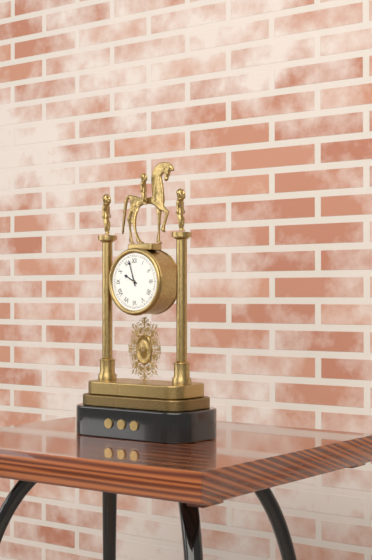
9 h 57 min
